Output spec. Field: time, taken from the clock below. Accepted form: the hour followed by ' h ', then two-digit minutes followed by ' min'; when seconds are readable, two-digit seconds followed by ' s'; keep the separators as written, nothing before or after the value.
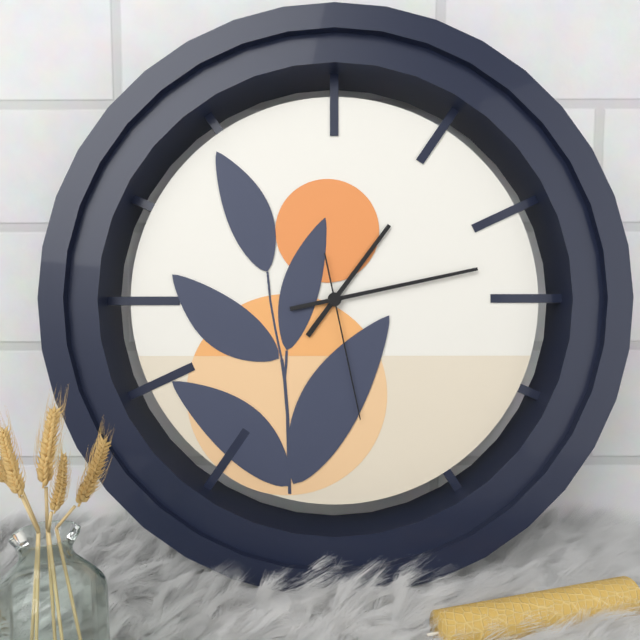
1 h 13 min 28 s
